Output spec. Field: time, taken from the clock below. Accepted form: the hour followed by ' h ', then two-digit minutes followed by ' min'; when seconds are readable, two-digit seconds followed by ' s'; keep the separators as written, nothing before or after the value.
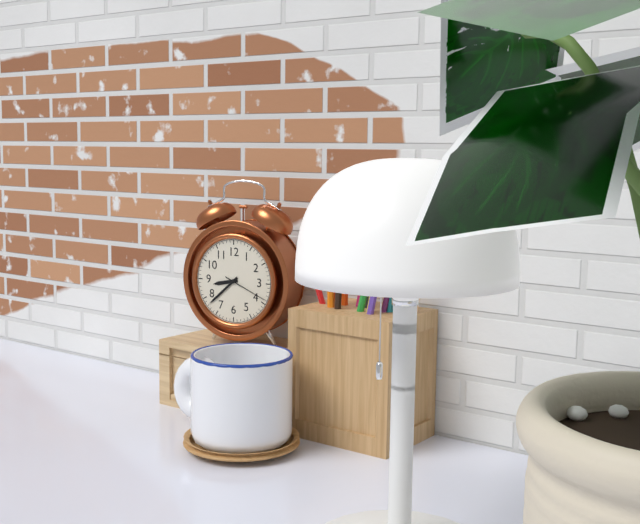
8 h 38 min
